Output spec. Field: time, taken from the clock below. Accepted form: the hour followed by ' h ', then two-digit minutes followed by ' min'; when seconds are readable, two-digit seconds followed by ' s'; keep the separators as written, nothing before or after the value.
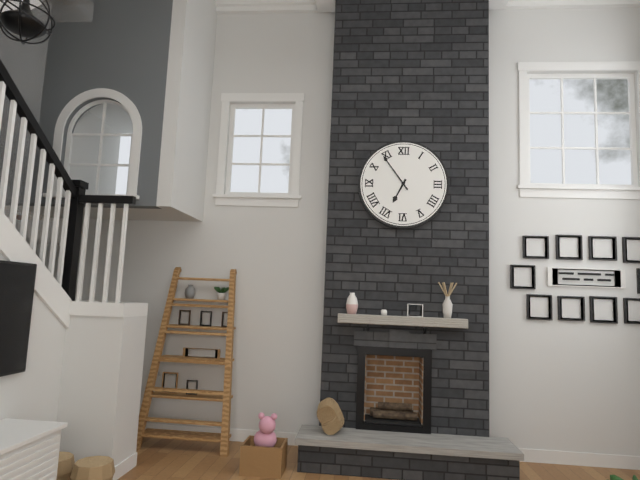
6 h 54 min
